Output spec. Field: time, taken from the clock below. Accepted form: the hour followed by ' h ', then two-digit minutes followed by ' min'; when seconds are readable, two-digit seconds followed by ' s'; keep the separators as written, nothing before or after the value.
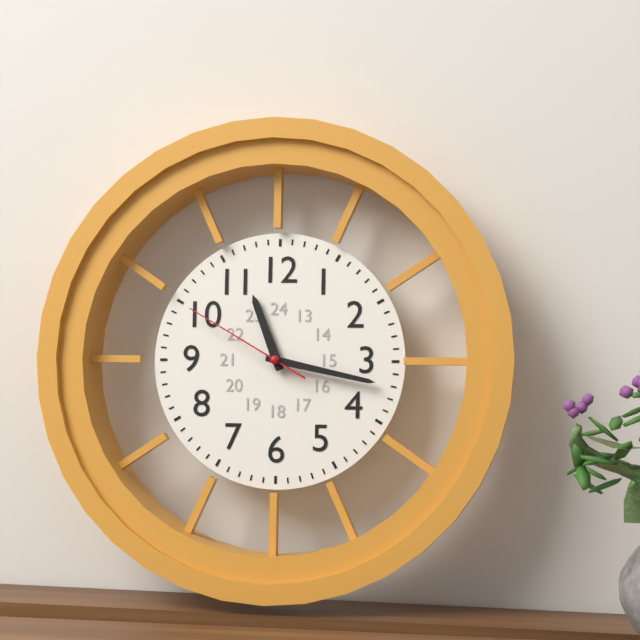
11 h 17 min 50 s
